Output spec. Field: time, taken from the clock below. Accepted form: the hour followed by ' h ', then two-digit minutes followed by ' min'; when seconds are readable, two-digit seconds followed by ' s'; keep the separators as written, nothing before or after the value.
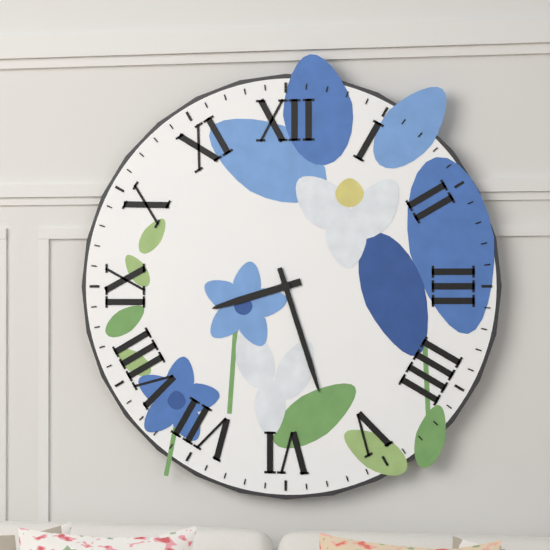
8 h 27 min
